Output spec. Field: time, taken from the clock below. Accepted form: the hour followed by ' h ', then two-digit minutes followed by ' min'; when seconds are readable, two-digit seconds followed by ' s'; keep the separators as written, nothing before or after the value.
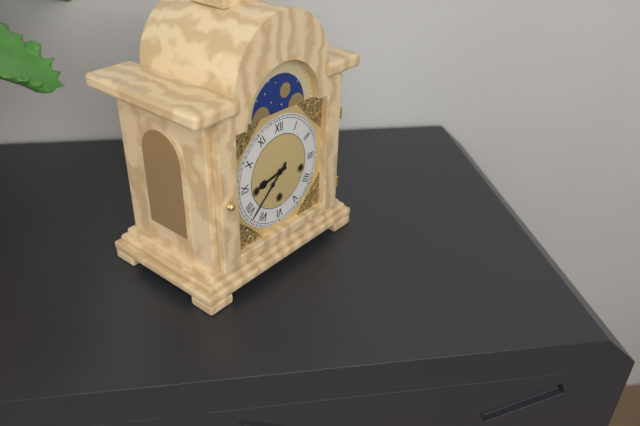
8 h 38 min
